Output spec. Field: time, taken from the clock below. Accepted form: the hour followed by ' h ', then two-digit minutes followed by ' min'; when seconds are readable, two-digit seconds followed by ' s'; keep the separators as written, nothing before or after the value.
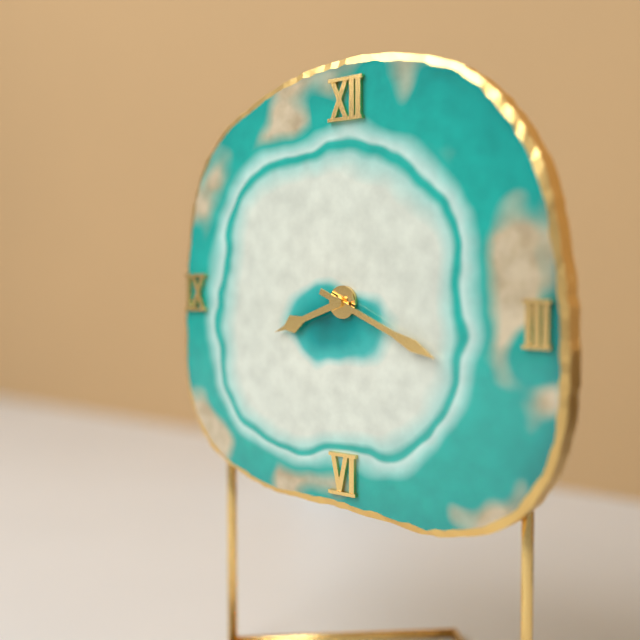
8 h 19 min
